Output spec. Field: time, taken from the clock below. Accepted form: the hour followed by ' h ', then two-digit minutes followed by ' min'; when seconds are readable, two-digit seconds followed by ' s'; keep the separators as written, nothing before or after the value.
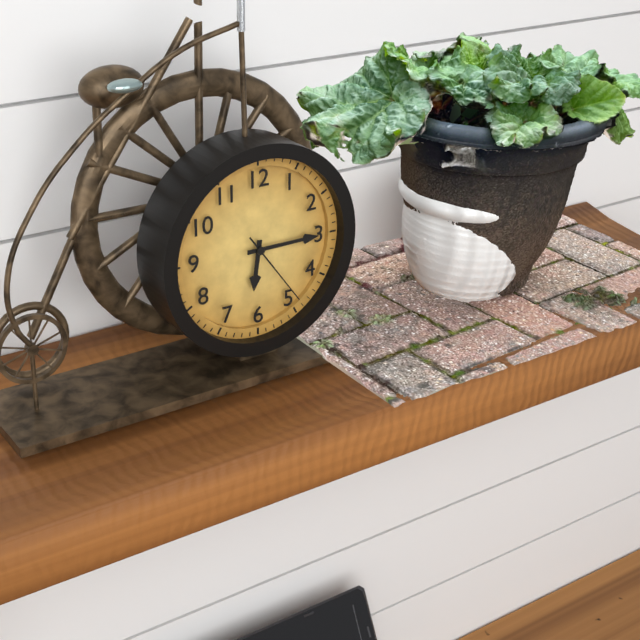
6 h 15 min 24 s
